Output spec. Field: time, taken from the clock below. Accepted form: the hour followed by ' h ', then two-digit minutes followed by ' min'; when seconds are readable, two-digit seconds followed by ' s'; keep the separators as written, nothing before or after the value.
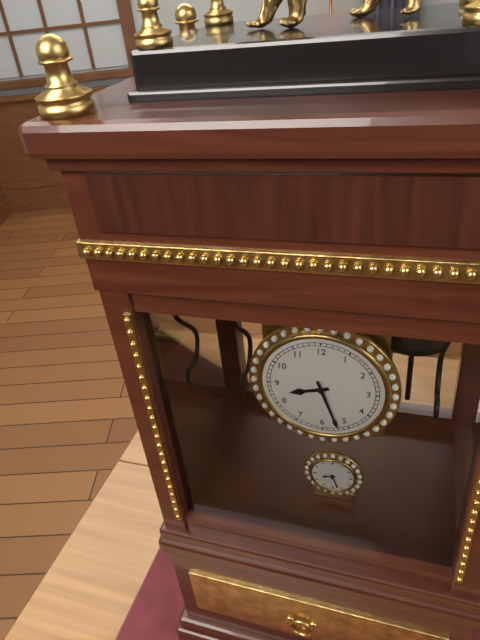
8 h 27 min
